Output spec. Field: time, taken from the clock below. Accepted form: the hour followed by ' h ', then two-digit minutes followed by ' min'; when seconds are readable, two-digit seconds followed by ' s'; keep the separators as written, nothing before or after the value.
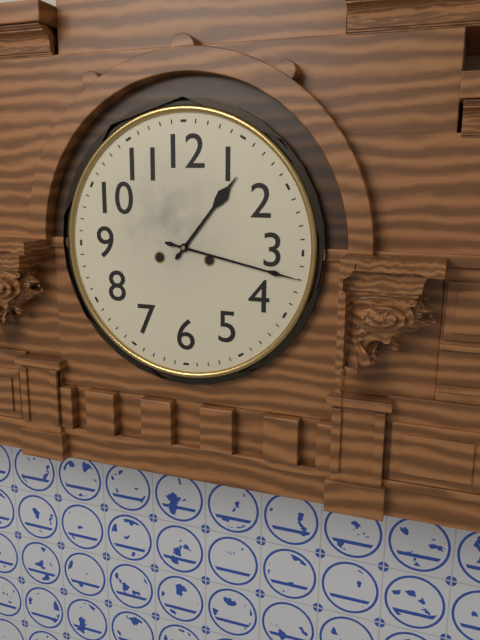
1 h 17 min
